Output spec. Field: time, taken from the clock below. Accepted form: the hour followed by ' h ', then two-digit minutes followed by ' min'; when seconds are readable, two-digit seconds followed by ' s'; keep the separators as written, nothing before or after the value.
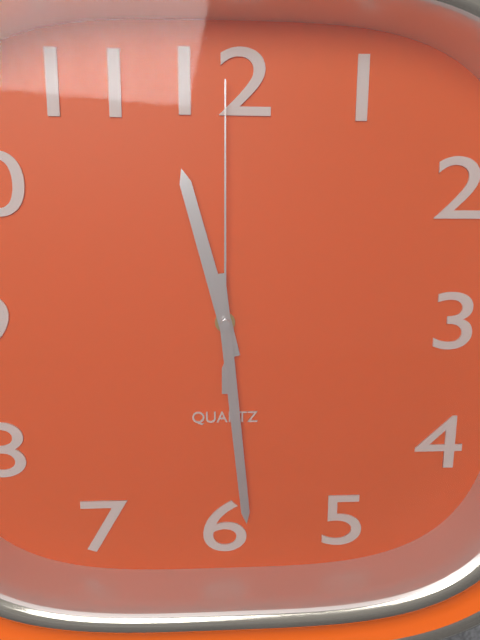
11 h 29 min 00 s
